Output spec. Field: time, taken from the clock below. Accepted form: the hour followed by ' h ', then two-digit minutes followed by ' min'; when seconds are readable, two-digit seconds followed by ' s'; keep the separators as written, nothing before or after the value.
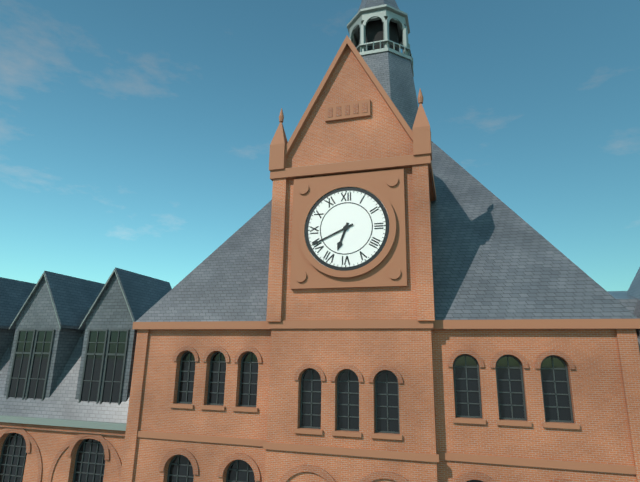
6 h 41 min
